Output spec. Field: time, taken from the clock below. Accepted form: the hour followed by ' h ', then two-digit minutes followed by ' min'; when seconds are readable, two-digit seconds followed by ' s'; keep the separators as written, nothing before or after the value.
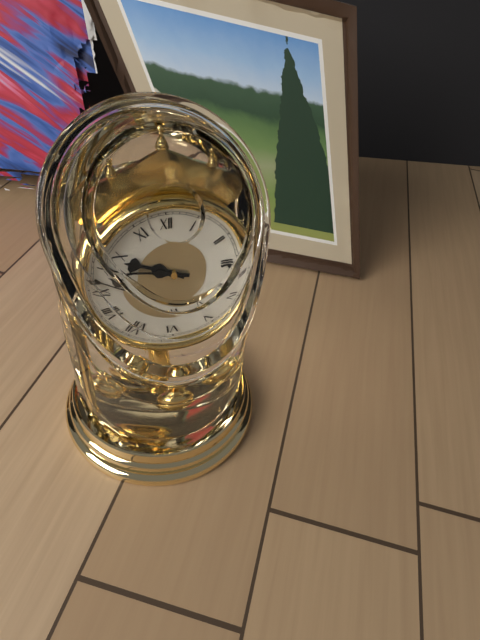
9 h 47 min
